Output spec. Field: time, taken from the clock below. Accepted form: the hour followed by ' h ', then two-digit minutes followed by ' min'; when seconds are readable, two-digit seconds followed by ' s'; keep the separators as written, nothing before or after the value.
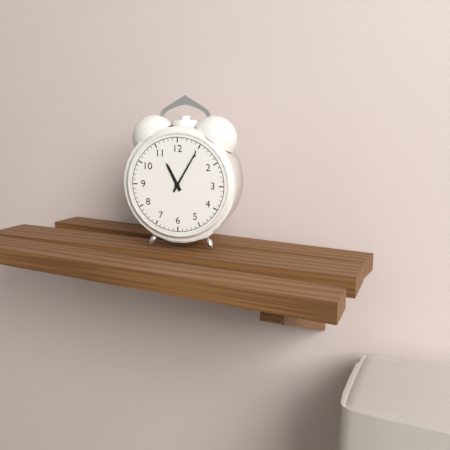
11 h 05 min
